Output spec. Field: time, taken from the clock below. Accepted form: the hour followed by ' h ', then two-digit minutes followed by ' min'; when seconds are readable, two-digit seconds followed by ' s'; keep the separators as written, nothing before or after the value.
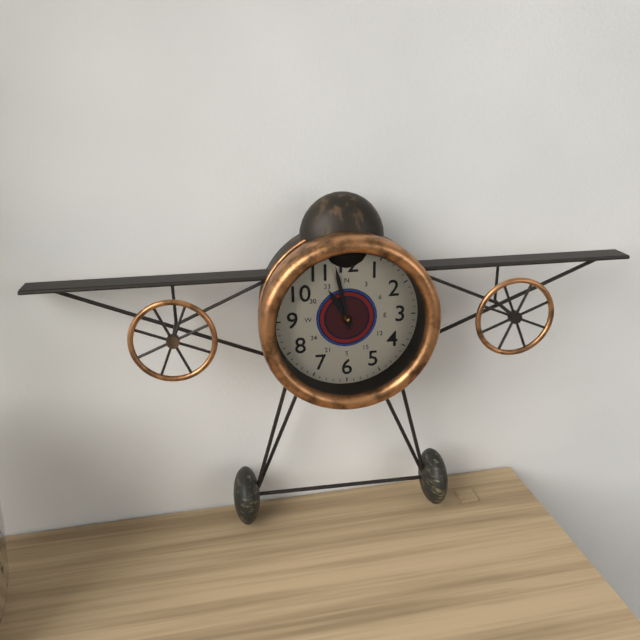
10 h 58 min
